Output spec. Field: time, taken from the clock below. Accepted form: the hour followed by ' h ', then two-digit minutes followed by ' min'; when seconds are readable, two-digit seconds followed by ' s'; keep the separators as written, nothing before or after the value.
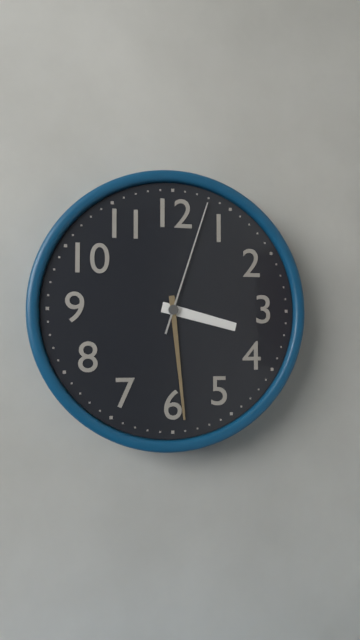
3 h 29 min 03 s
